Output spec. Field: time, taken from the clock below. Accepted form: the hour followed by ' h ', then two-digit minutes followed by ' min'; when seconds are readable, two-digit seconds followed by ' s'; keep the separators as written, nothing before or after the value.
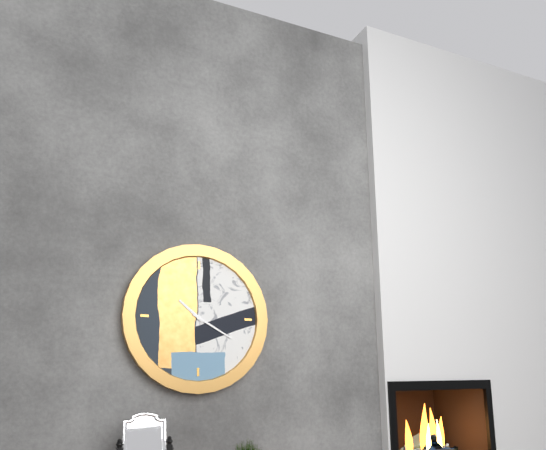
10 h 20 min
